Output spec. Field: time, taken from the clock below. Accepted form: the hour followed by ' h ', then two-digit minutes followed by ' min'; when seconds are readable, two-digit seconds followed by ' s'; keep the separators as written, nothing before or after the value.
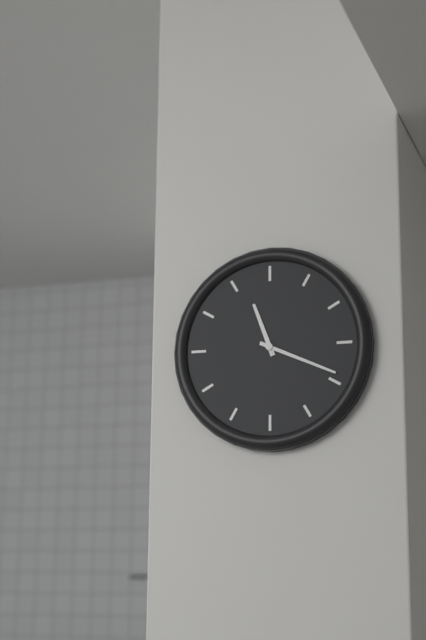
11 h 19 min
